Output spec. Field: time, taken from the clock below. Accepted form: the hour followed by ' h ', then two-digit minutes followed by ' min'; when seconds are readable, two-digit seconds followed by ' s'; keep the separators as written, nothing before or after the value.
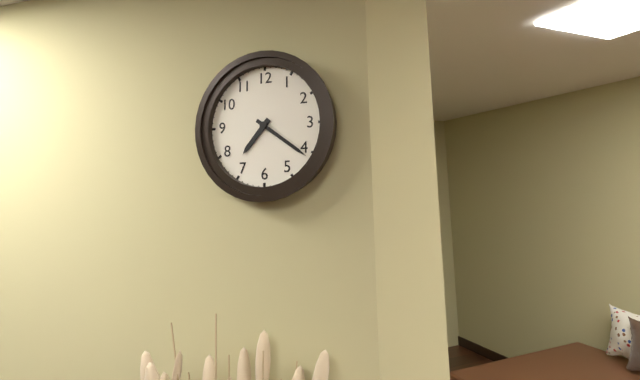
7 h 21 min
